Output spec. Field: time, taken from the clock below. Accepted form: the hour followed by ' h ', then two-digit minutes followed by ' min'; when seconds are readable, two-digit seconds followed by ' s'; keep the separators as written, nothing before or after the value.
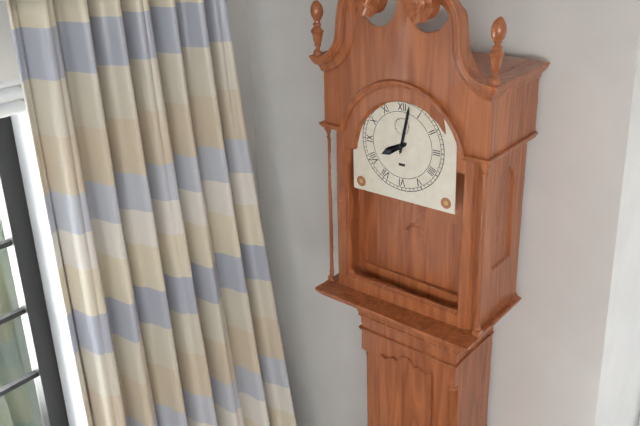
8 h 02 min
